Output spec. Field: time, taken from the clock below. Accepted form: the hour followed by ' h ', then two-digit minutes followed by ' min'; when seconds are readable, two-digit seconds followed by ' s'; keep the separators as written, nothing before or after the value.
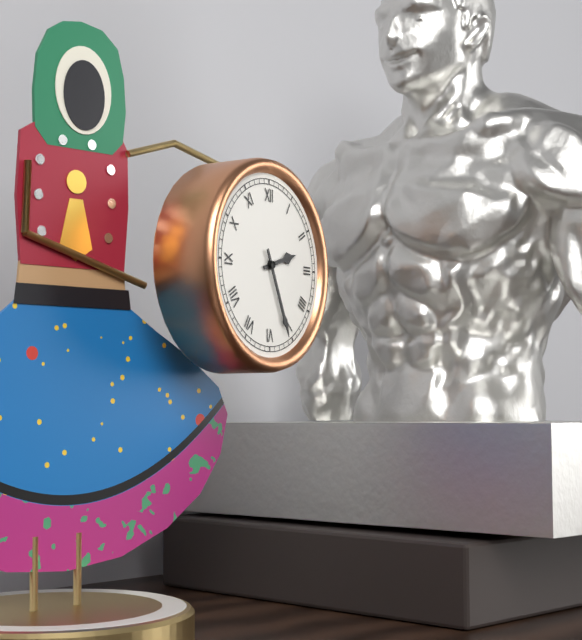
2 h 26 min
